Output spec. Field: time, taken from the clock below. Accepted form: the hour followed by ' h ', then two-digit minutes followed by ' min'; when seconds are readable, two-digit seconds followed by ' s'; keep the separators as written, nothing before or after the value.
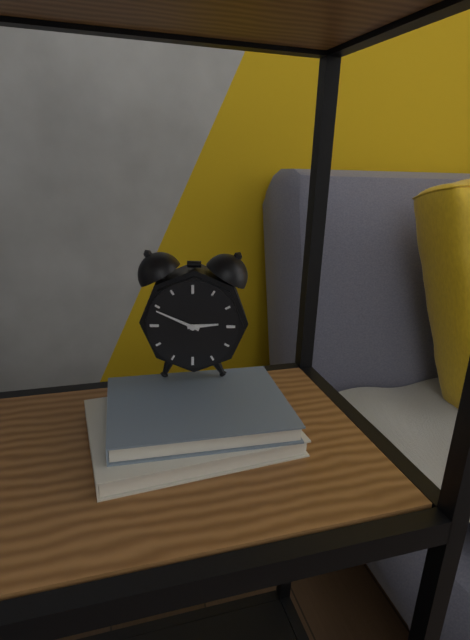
2 h 49 min
